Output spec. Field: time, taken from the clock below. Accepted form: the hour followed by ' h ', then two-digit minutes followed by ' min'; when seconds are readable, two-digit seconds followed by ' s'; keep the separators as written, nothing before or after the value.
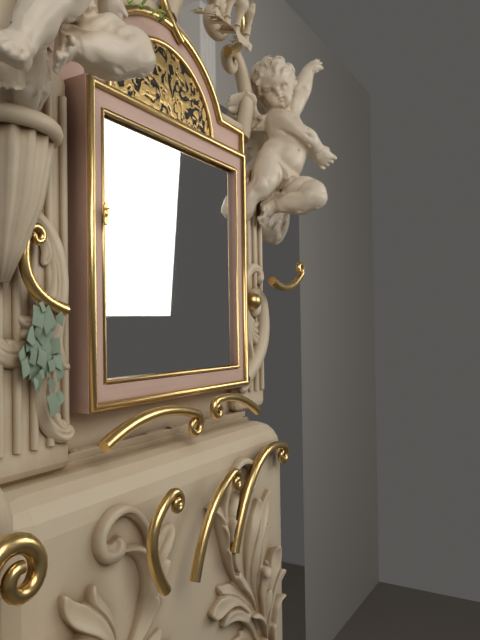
6 h 37 min
